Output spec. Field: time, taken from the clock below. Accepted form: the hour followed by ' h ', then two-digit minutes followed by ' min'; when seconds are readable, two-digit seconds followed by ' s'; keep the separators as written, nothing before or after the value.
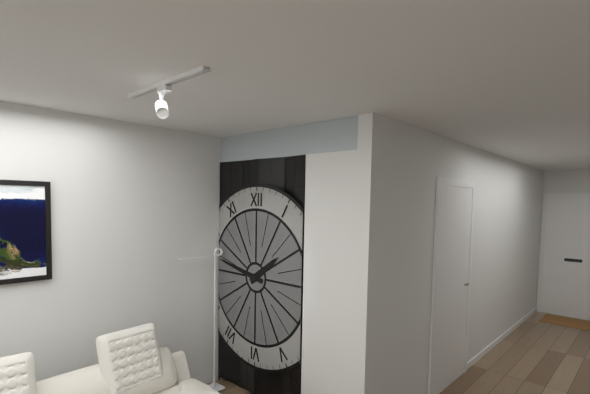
1 h 47 min
